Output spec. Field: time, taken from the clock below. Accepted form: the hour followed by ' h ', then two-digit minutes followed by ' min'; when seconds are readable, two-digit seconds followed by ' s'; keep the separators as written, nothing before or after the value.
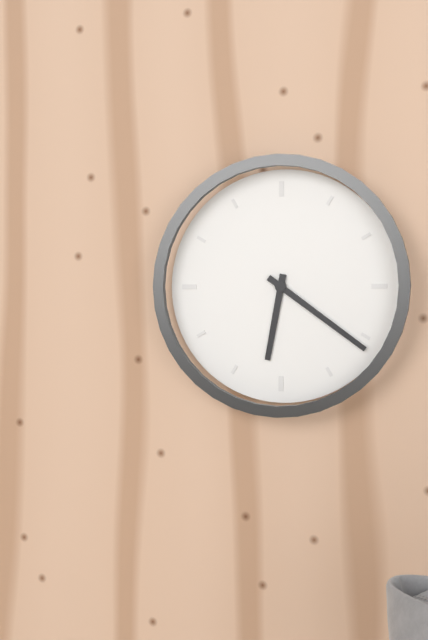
6 h 21 min
